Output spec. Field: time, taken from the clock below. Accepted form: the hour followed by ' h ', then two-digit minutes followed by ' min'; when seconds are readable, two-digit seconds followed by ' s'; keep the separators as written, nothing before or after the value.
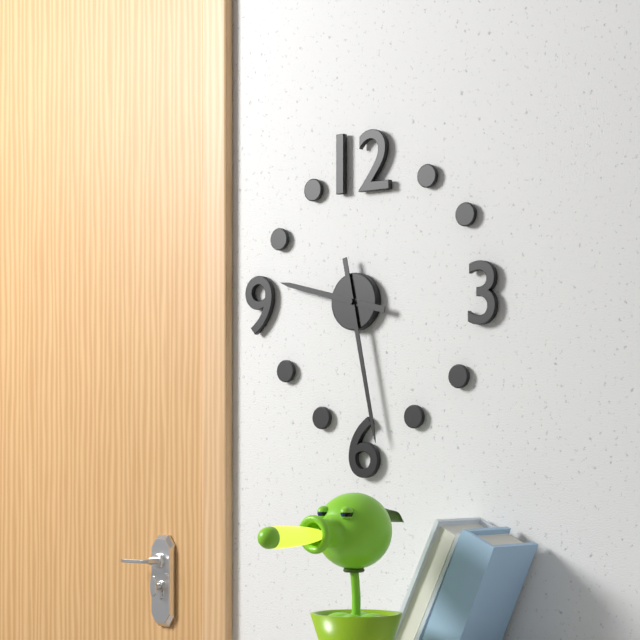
9 h 28 min
